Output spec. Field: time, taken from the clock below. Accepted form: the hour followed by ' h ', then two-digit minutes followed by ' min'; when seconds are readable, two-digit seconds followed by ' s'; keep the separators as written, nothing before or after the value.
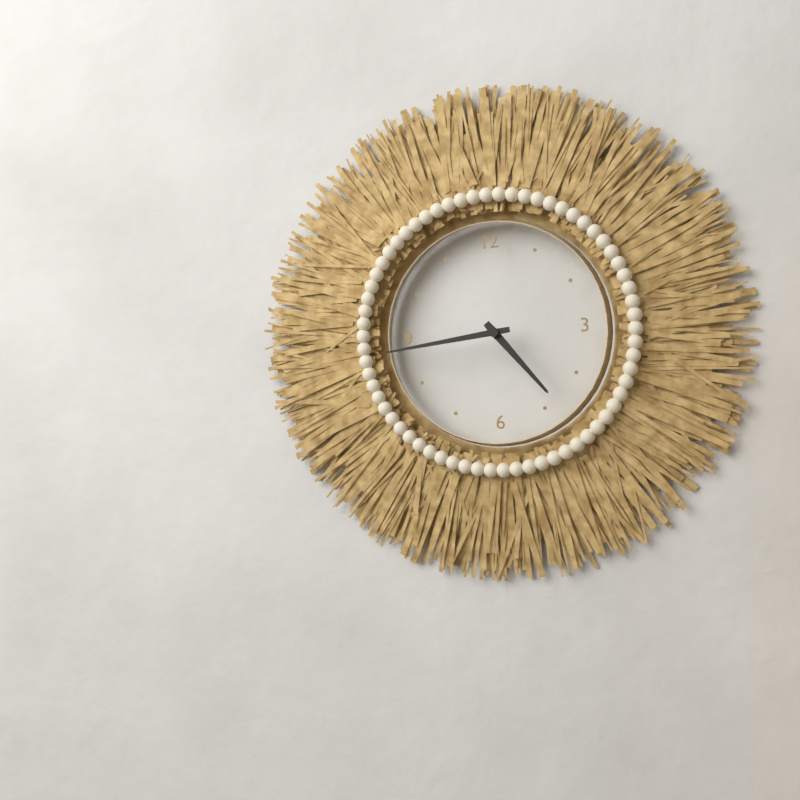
4 h 44 min
